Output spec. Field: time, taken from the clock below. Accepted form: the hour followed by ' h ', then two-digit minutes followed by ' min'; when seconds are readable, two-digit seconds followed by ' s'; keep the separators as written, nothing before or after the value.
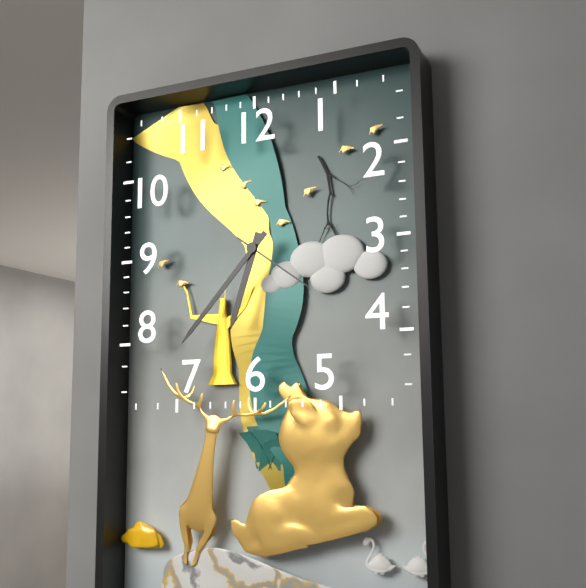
6 h 37 min 21 s
